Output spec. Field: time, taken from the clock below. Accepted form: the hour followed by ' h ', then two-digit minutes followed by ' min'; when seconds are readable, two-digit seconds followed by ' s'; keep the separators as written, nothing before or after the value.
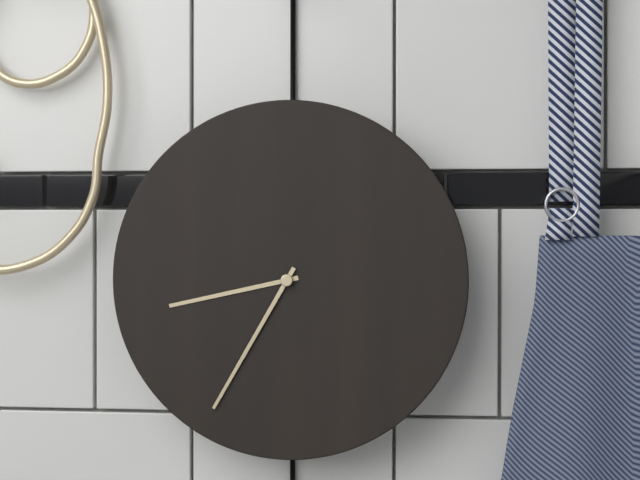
8 h 35 min
